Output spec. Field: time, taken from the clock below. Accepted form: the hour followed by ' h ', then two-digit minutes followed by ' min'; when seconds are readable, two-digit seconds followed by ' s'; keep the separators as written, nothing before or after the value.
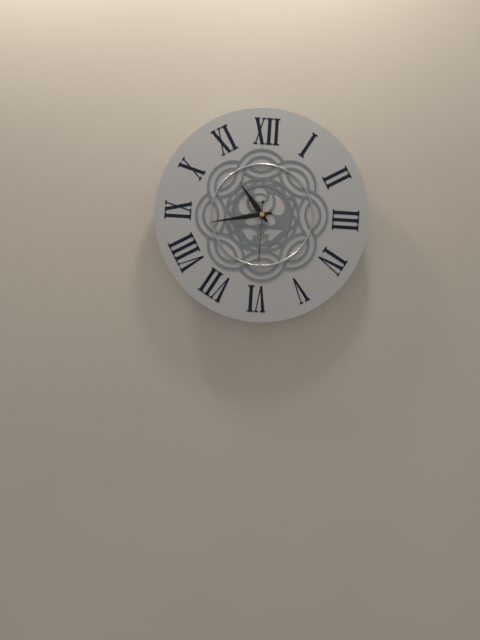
10 h 43 min 30 s
